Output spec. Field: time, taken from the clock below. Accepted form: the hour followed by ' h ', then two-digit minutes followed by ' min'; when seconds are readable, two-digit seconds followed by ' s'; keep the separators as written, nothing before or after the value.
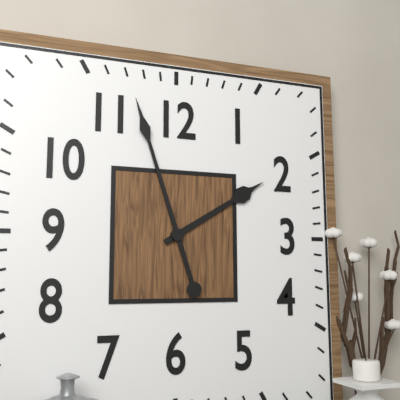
1 h 57 min
